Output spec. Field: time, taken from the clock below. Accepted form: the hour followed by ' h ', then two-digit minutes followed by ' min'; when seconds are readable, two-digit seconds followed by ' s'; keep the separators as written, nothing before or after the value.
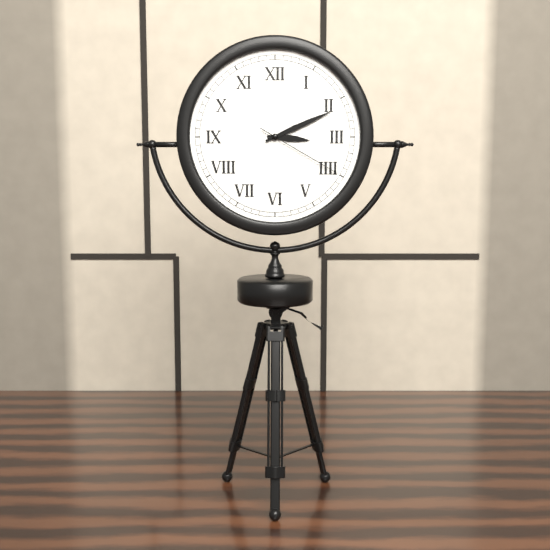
3 h 11 min 20 s
